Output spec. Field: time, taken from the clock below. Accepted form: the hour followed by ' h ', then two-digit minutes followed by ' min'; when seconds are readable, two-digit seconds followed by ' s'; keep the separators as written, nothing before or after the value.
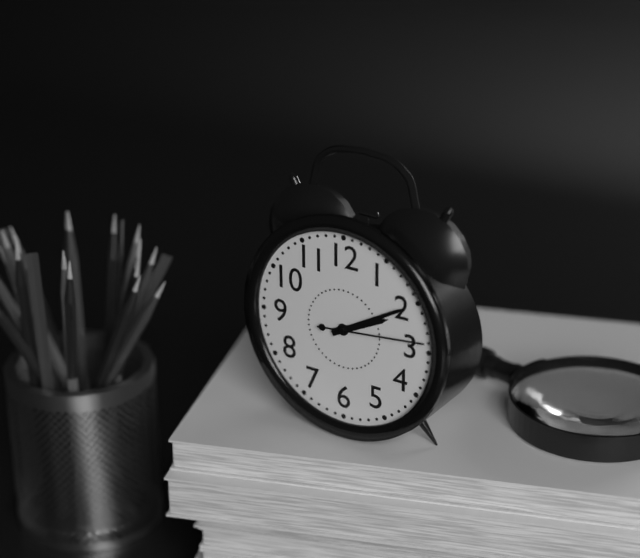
2 h 10 min 14 s
